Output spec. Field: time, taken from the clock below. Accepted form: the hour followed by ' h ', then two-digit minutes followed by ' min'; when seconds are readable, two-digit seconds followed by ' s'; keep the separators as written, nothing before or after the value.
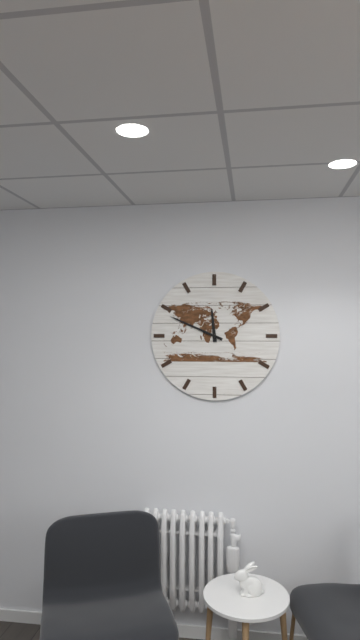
11 h 49 min
